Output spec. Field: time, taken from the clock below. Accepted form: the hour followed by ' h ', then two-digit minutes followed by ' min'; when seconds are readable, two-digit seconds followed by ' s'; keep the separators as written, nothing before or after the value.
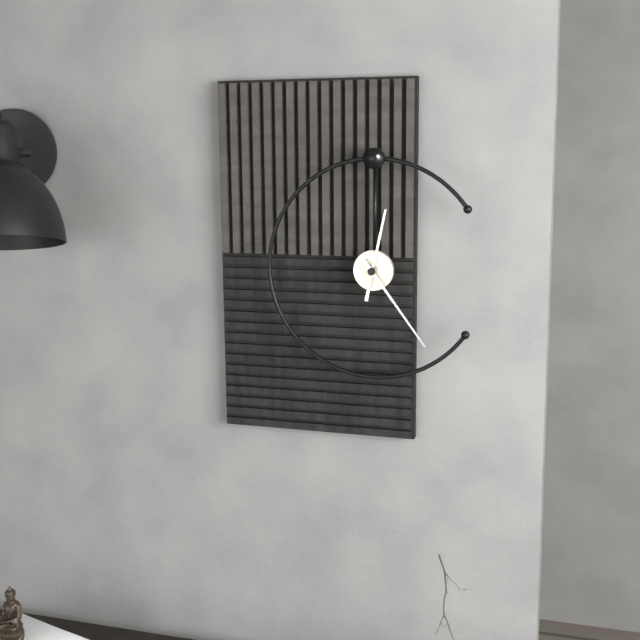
12 h 24 min
